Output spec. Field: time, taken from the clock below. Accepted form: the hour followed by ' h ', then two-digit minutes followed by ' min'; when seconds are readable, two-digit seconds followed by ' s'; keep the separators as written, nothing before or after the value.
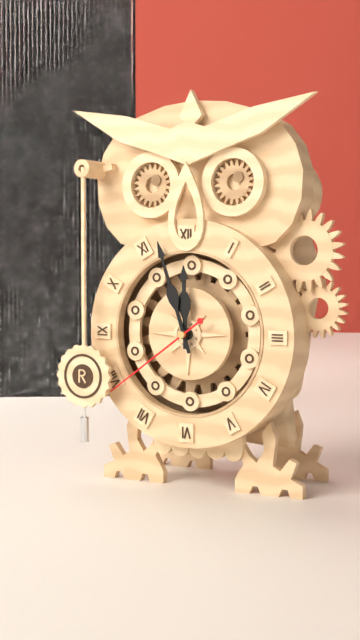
11 h 57 min 39 s
